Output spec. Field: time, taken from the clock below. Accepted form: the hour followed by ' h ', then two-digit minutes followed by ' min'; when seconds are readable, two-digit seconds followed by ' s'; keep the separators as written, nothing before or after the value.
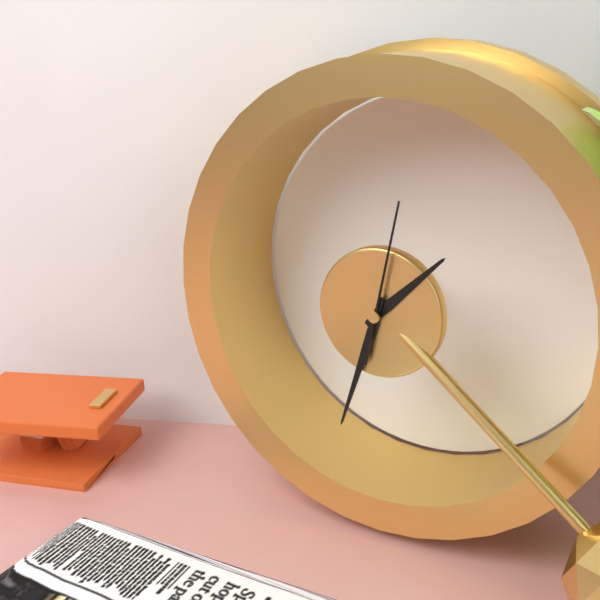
1 h 33 min 02 s
